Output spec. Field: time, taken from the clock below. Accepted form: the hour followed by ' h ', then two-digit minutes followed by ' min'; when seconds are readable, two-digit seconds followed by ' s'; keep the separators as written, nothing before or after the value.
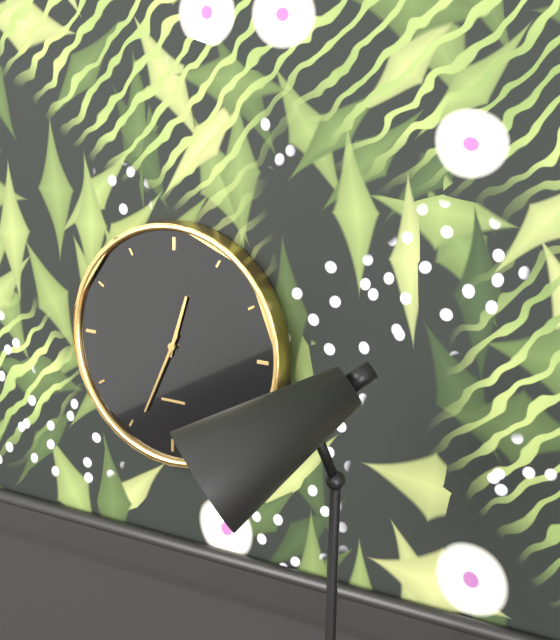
12 h 34 min
